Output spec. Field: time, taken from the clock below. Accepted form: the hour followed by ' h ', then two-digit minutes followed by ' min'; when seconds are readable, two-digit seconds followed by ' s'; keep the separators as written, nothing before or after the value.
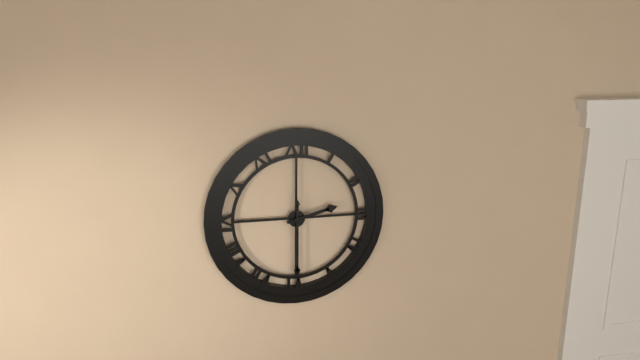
2 h 30 min
